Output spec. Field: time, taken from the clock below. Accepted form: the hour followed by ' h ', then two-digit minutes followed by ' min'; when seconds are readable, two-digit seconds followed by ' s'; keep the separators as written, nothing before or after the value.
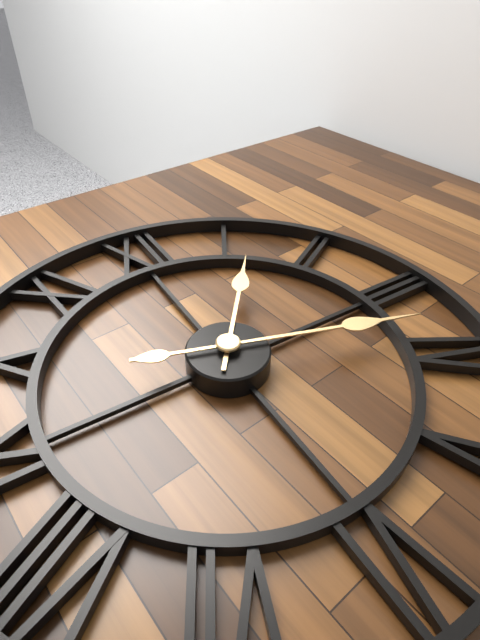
1 h 18 min
